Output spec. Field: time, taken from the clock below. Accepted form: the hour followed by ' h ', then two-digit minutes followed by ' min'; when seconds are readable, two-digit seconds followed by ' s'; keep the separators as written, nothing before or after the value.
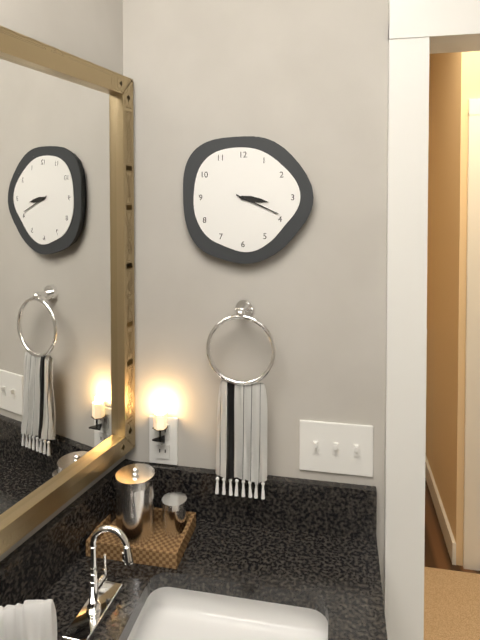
3 h 19 min
